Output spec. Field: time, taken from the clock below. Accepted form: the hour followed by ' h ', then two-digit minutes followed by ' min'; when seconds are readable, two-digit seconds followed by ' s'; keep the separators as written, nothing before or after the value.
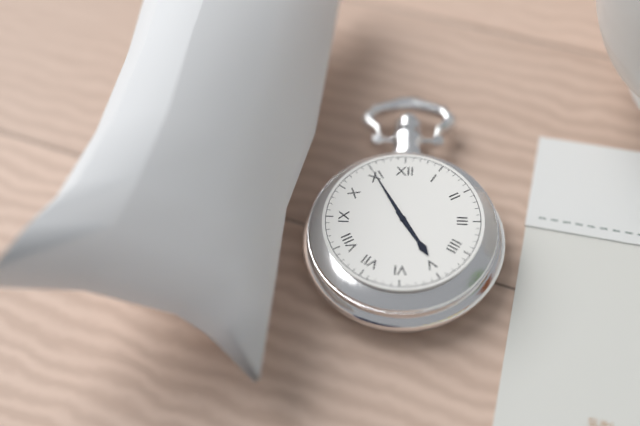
4 h 55 min
